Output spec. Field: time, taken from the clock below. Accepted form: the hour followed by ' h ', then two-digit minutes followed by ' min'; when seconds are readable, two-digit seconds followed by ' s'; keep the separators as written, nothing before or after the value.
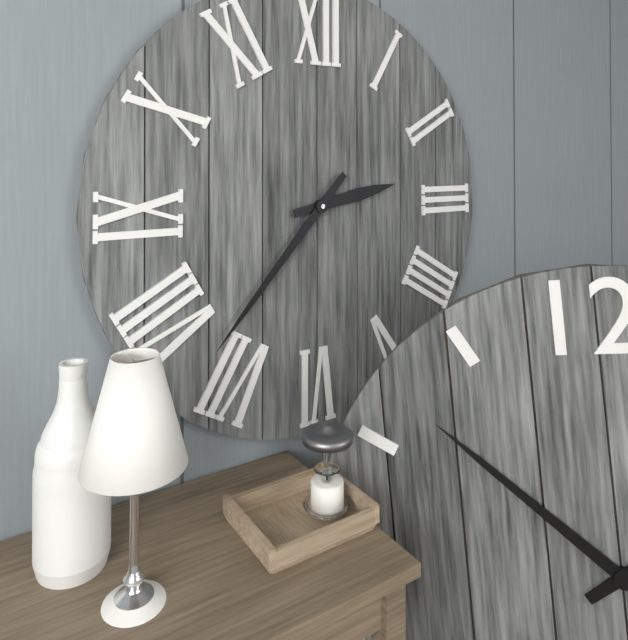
2 h 37 min
